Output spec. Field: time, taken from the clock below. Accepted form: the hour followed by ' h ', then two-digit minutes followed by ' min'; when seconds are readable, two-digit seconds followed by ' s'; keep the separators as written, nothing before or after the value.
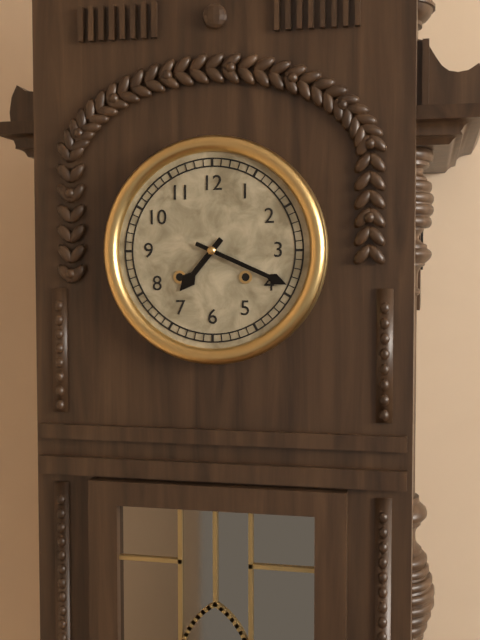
7 h 19 min
